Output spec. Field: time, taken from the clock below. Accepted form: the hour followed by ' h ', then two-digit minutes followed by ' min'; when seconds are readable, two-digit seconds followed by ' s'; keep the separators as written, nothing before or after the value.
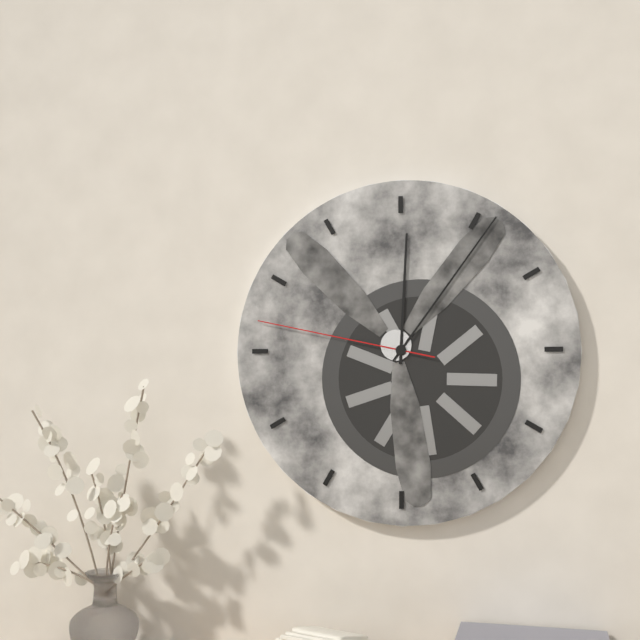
12 h 06 min 47 s
